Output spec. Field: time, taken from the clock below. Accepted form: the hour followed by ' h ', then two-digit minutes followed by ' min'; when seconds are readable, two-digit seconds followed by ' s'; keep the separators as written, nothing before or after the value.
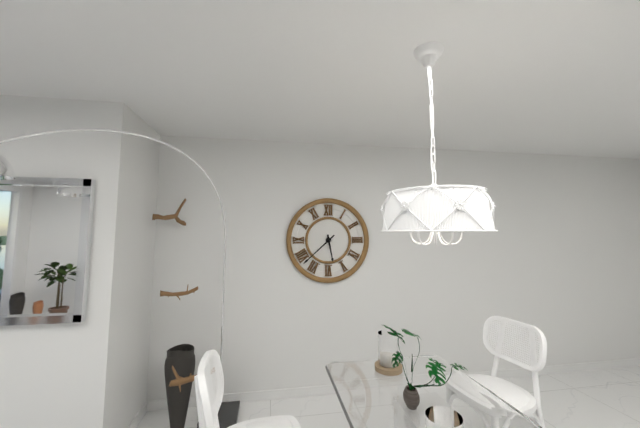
5 h 38 min
